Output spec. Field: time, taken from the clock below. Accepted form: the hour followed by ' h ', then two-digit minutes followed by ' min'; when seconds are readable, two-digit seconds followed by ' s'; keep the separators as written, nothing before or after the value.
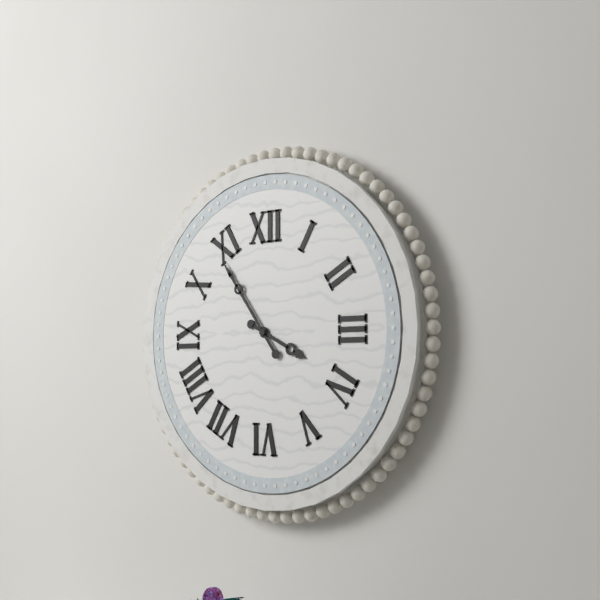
3 h 54 min
